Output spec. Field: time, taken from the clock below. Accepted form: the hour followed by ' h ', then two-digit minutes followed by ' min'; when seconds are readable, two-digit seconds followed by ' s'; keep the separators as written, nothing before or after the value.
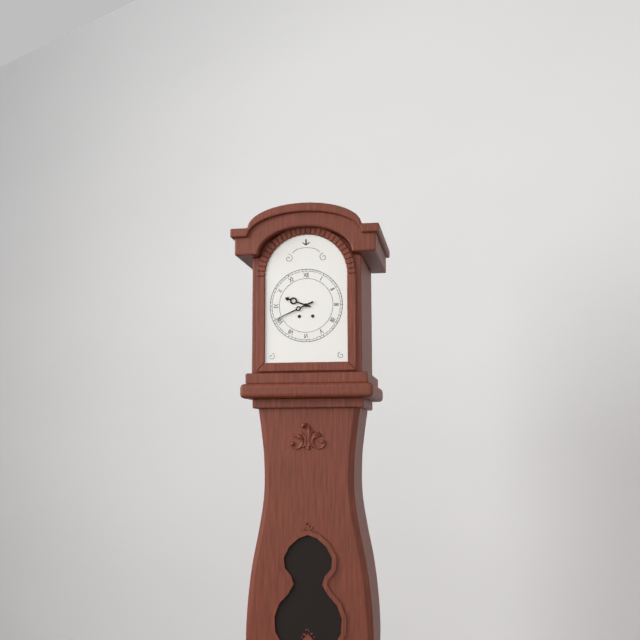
9 h 41 min
